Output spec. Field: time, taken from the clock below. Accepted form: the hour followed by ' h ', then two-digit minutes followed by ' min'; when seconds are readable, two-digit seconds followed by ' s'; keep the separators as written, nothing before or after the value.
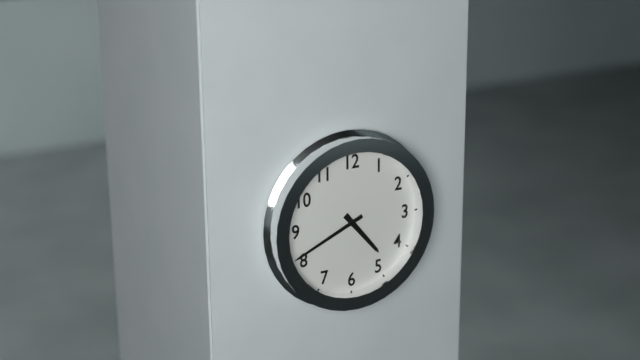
4 h 41 min
